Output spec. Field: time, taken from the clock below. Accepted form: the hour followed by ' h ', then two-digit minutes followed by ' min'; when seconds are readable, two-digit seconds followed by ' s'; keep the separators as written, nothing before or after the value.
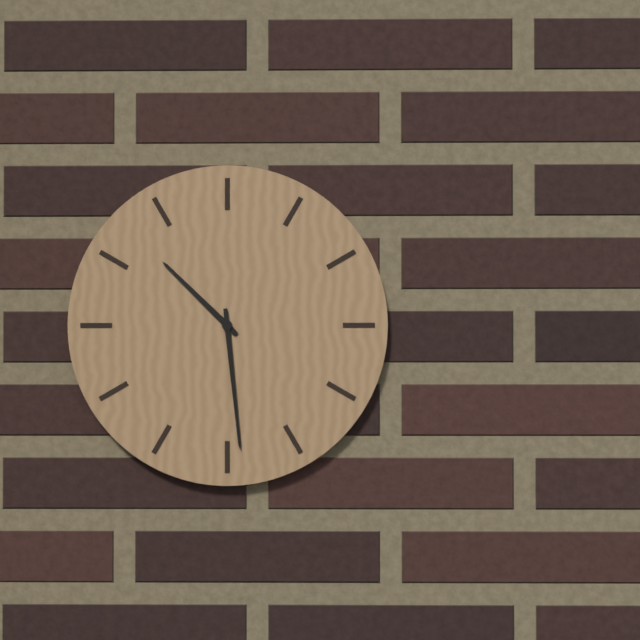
10 h 29 min
